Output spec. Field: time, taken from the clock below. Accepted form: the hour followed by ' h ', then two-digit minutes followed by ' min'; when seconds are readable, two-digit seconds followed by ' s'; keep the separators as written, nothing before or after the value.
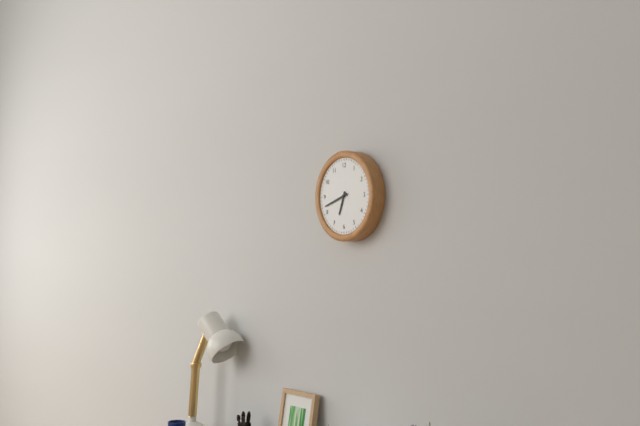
6 h 42 min
